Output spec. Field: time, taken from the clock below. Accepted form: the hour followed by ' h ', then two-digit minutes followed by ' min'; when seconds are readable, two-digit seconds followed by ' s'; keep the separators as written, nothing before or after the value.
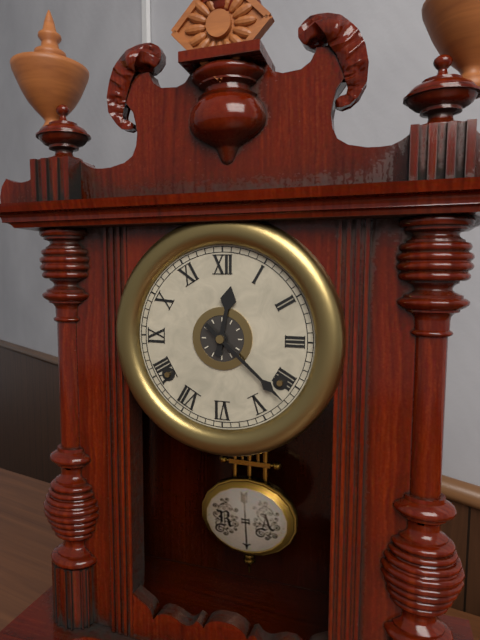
12 h 22 min
